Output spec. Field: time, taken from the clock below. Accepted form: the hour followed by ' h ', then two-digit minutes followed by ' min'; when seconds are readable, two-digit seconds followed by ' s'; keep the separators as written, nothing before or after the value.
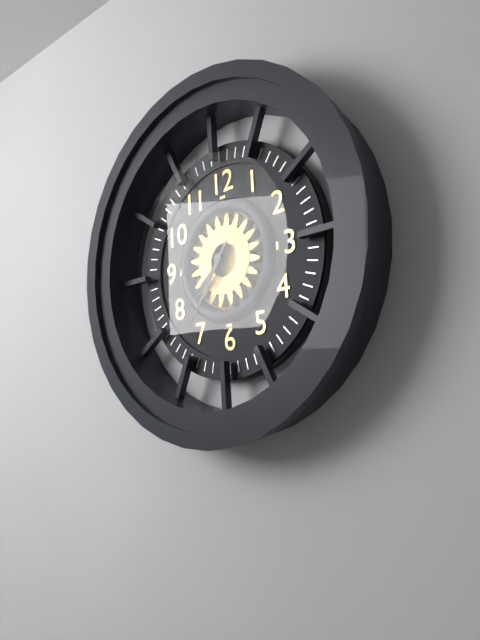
7 h 36 min
